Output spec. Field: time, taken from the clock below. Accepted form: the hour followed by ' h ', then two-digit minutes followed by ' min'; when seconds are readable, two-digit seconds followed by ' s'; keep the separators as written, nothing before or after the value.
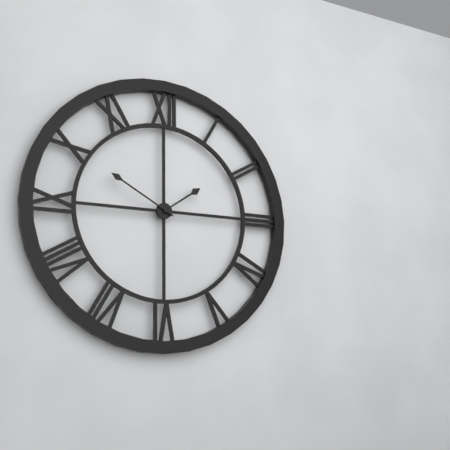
1 h 50 min
